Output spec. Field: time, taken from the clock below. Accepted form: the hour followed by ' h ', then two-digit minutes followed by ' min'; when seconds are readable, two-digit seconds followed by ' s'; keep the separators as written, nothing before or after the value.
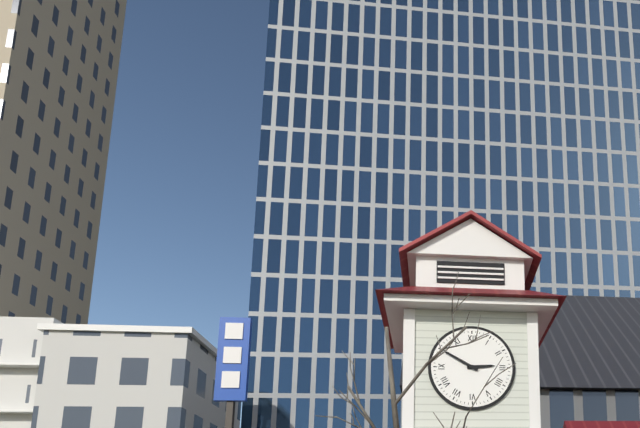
2 h 50 min
